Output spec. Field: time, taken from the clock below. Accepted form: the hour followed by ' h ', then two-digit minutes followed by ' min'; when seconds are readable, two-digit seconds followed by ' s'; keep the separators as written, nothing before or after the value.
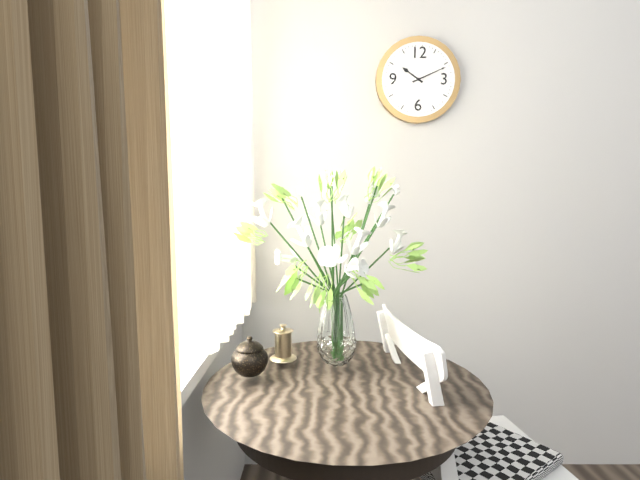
10 h 11 min
